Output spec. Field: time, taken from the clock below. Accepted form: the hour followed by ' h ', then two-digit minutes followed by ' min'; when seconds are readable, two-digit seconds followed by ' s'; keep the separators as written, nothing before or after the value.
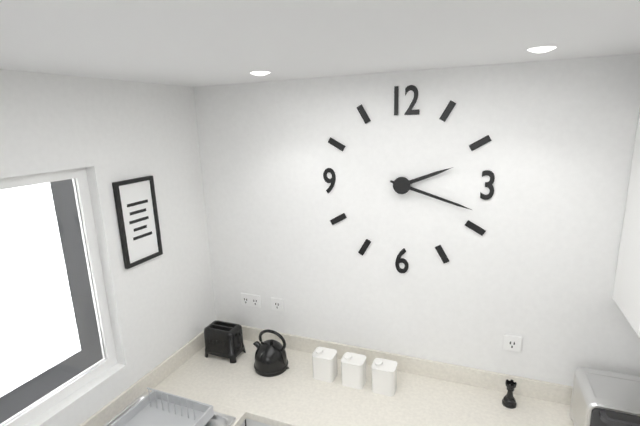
2 h 18 min
